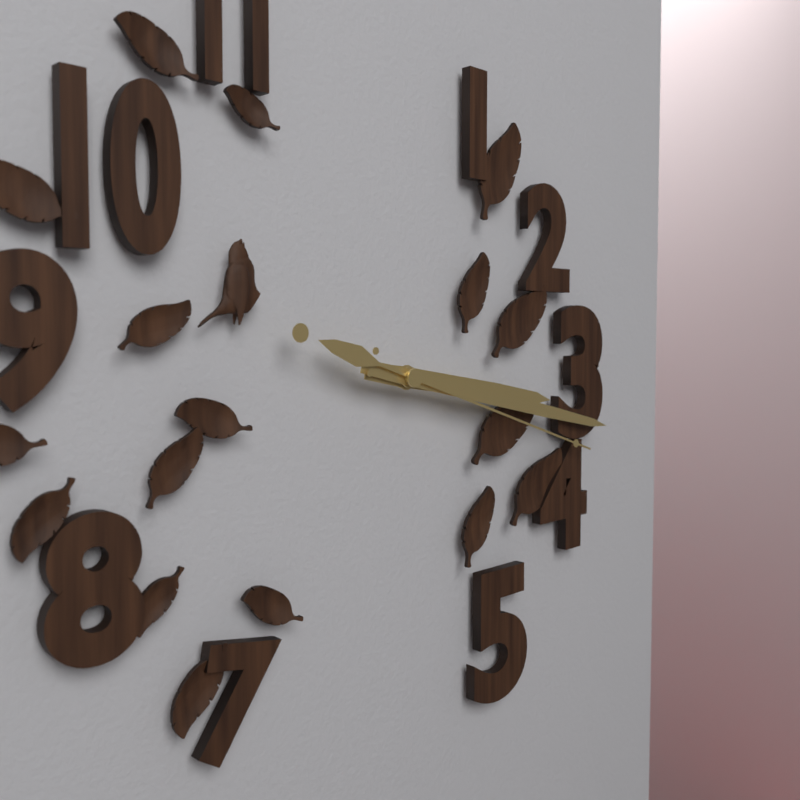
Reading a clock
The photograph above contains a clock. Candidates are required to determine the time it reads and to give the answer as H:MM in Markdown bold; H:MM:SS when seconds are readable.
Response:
**3:17:18**
